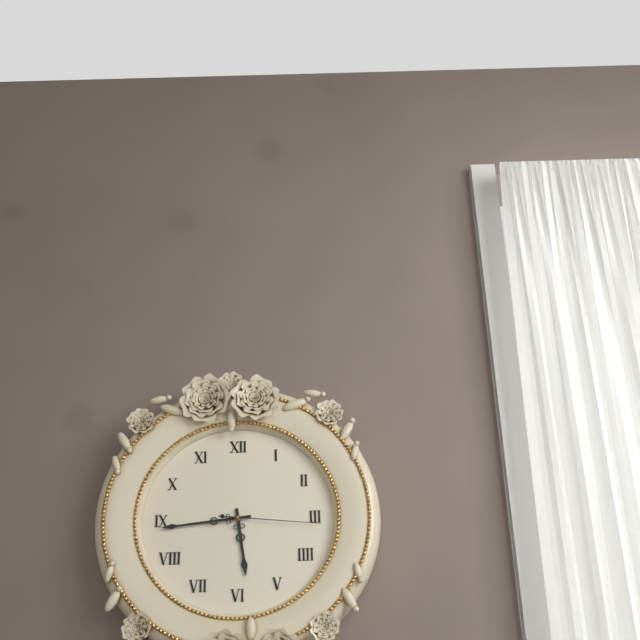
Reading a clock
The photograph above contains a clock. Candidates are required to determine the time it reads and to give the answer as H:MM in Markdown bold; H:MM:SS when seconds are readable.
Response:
**5:44:16**
